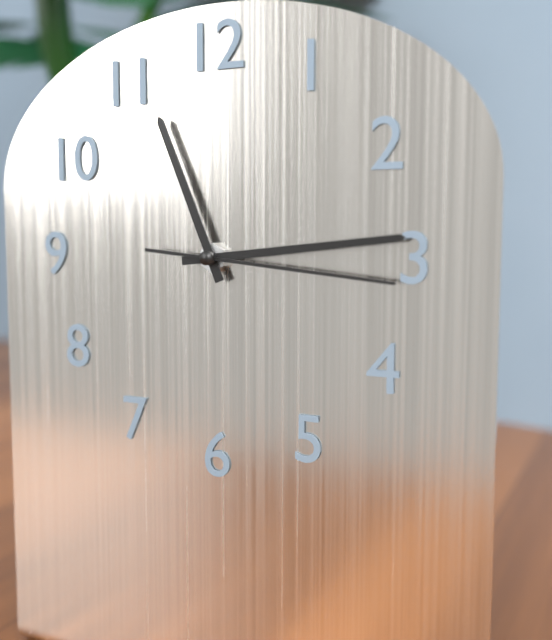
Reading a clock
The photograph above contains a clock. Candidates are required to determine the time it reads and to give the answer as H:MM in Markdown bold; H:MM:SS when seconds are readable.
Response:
**11:14:16**
